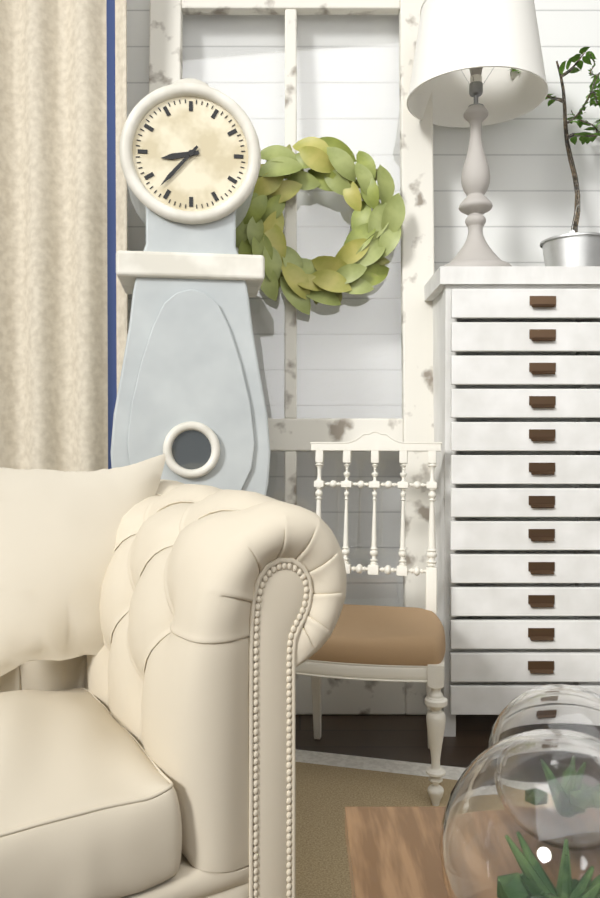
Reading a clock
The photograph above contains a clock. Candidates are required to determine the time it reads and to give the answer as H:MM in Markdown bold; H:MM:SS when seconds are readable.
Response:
**8:37**
